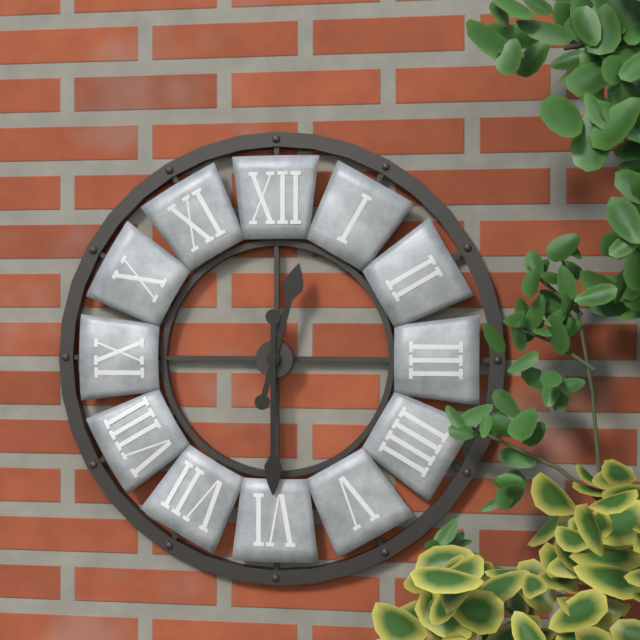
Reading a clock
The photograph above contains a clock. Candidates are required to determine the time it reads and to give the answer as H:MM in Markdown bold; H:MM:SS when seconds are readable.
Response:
**12:30**
